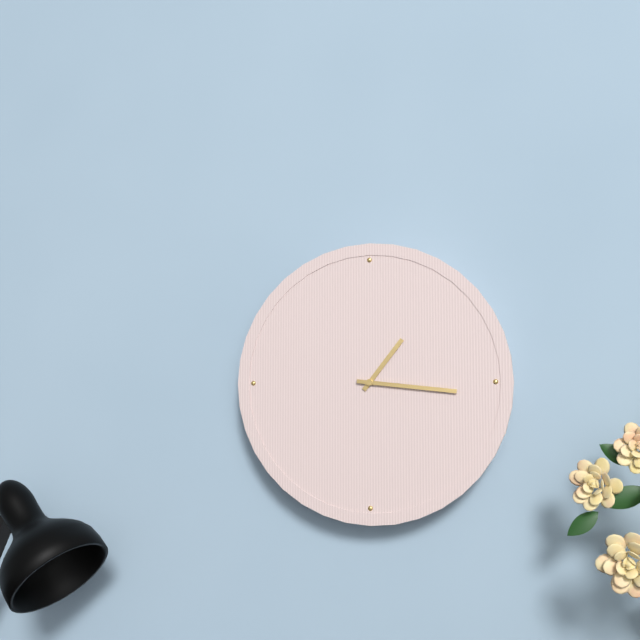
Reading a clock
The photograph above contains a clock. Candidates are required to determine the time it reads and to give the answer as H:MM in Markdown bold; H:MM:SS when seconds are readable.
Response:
**1:16**
